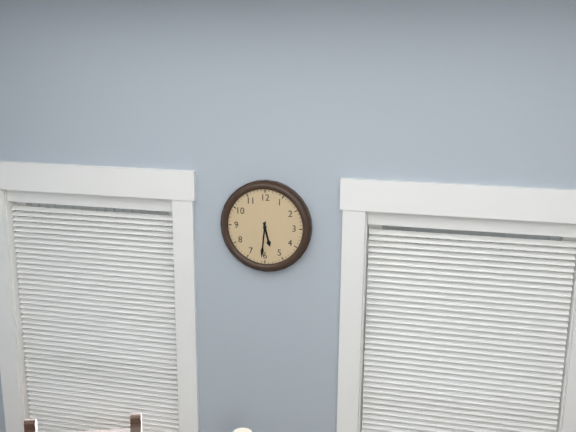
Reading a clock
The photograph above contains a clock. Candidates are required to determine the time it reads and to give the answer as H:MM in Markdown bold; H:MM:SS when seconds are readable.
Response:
**5:31**
